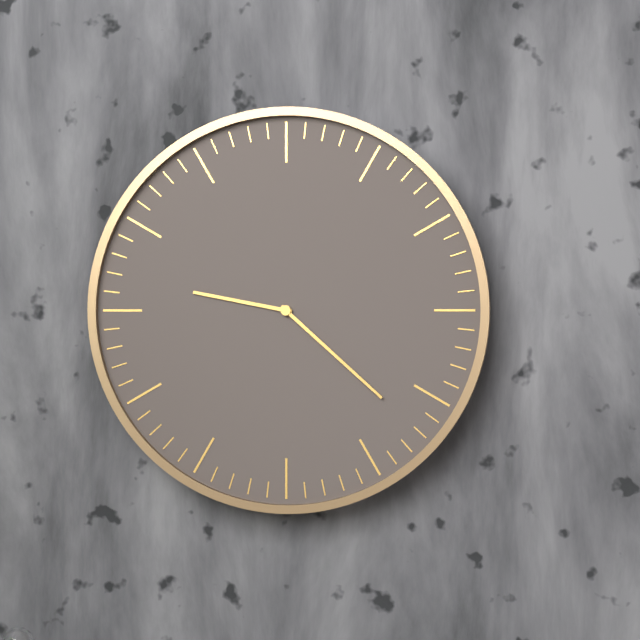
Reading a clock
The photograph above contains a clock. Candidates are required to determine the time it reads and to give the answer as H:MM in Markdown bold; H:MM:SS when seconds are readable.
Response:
**9:22**
